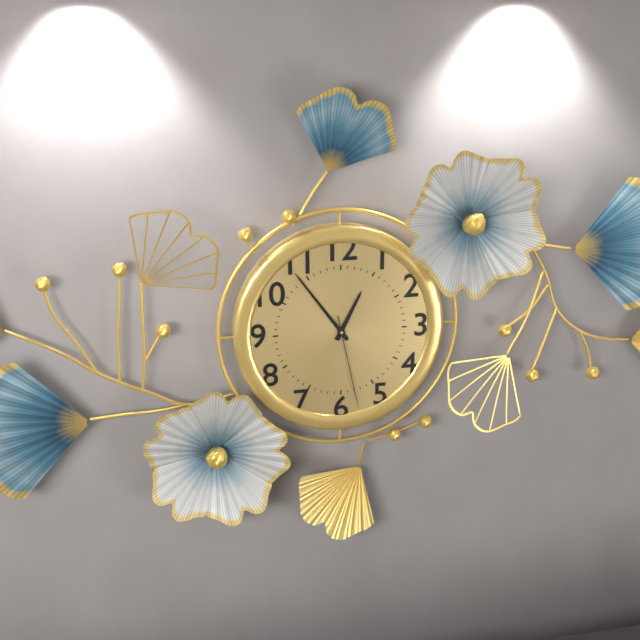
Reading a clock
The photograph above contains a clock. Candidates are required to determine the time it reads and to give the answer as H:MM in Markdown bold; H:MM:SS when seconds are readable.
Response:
**12:54:28**
